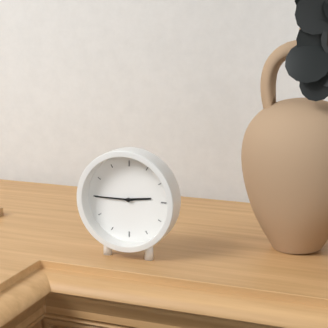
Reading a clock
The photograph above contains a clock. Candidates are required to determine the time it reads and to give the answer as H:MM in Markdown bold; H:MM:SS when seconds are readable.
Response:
**2:45**
